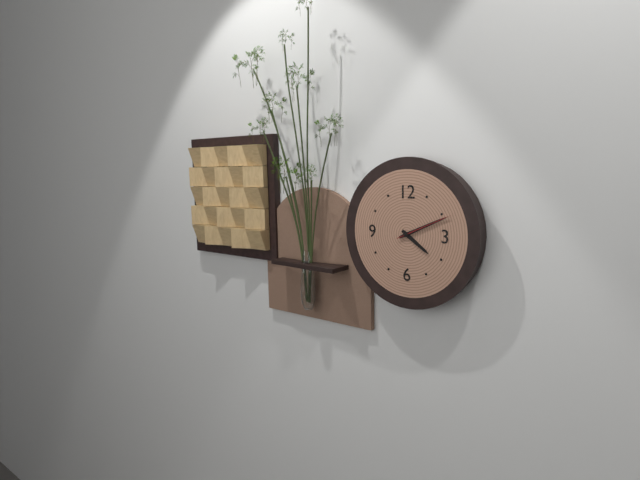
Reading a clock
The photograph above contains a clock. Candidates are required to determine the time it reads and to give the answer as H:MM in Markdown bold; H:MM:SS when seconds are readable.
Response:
**4:11:11**
